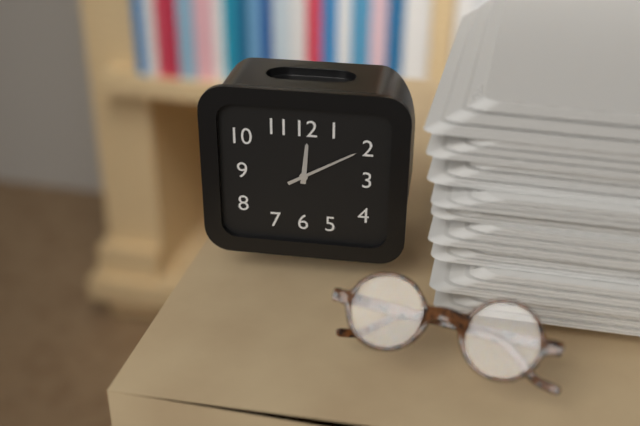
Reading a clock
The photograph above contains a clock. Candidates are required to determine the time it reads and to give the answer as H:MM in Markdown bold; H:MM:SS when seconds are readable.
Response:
**12:10**
